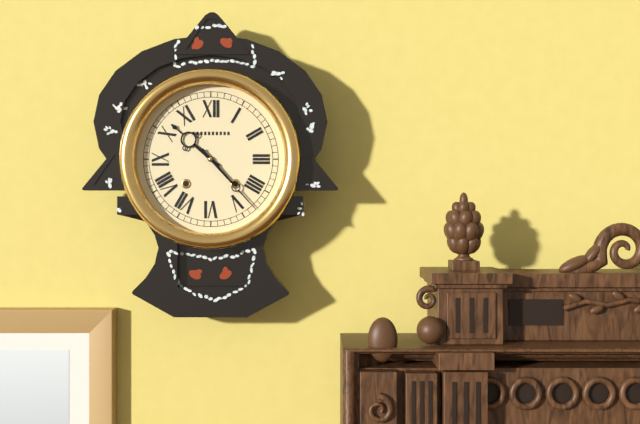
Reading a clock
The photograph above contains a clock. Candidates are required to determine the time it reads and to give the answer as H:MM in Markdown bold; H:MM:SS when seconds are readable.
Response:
**10:23**
